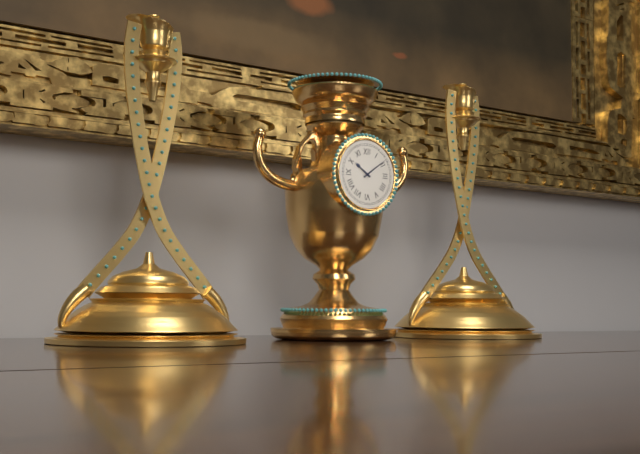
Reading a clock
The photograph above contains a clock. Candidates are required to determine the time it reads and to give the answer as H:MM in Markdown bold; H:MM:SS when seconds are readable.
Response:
**10:09**
